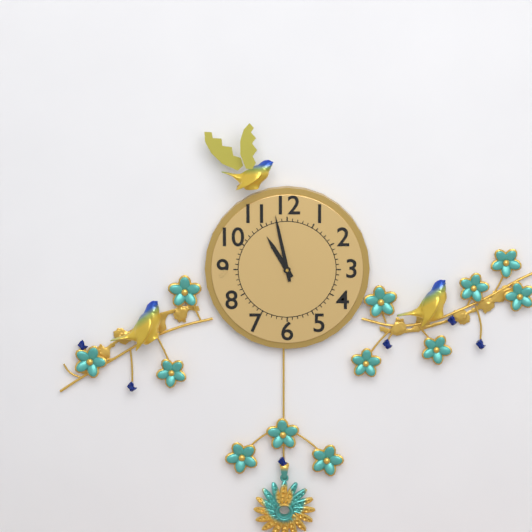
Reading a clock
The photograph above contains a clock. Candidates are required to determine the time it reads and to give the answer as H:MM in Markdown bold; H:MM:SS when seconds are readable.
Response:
**10:58**
